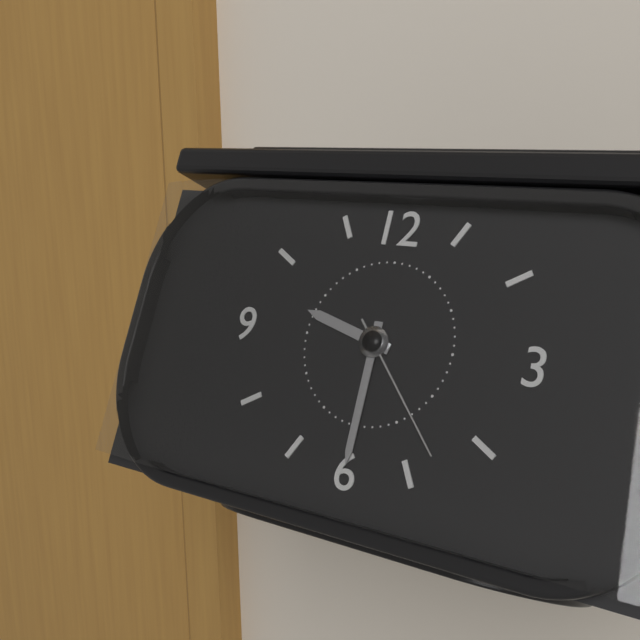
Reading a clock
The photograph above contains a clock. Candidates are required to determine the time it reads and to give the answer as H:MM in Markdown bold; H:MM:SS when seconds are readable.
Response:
**9:30:23**
